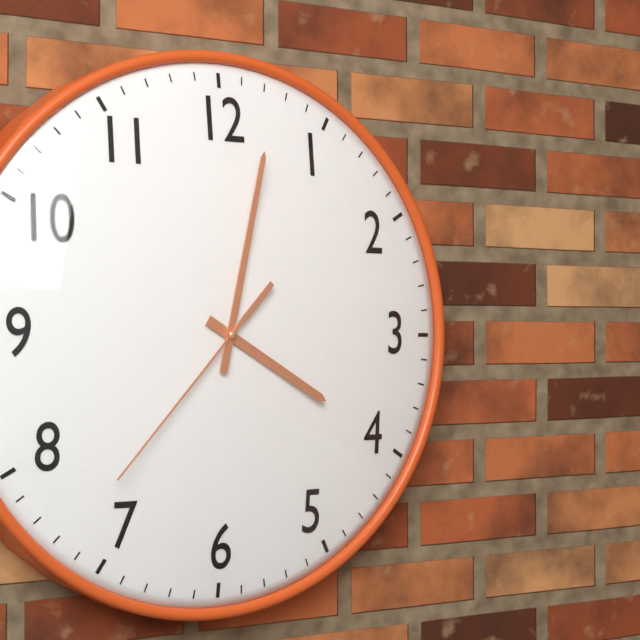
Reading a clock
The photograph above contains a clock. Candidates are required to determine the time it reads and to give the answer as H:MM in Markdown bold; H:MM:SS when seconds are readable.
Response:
**4:02:37**
